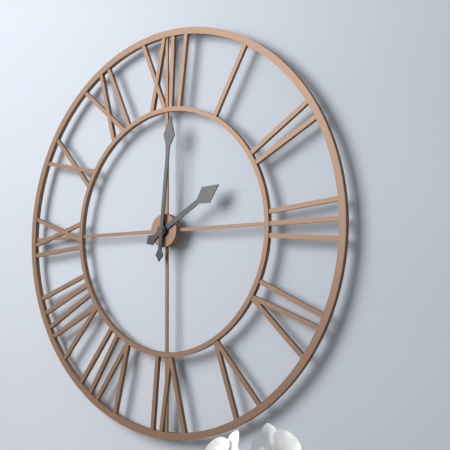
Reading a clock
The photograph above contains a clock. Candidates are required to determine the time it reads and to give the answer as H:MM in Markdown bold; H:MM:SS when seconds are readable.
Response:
**2:01**
